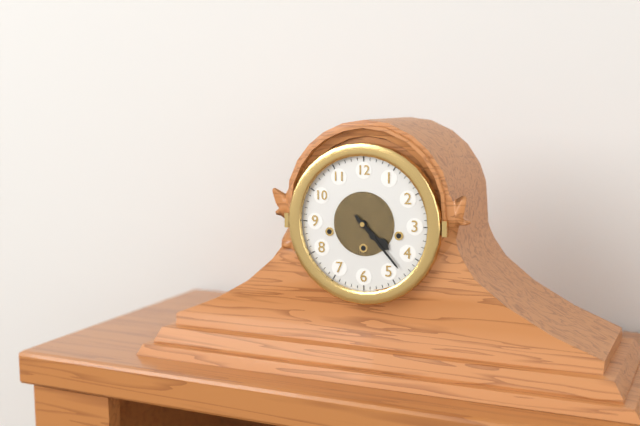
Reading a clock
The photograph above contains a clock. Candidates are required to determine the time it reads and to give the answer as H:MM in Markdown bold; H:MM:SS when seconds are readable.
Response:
**4:23**
